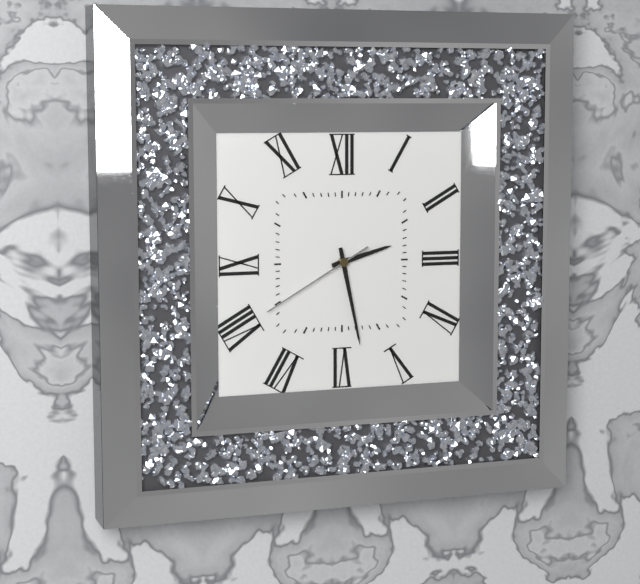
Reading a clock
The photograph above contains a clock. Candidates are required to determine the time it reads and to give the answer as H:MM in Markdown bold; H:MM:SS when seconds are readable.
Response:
**2:28:40**
